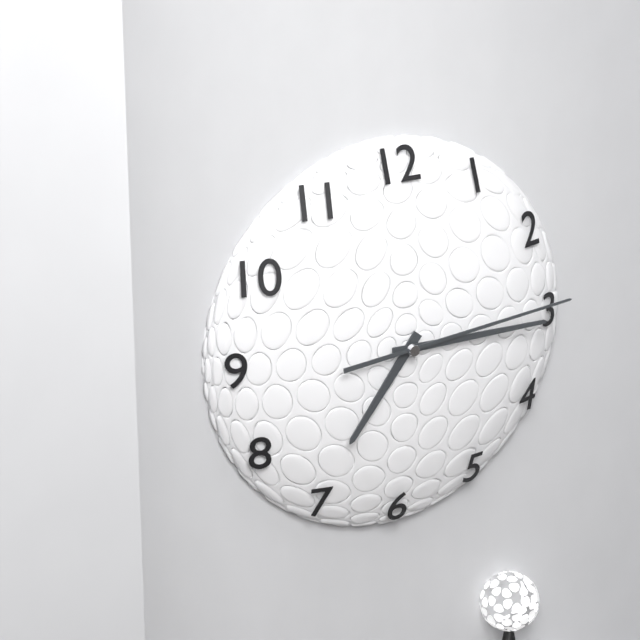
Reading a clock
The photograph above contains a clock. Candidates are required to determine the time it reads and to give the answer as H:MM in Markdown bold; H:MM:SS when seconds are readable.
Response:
**7:15:14**
